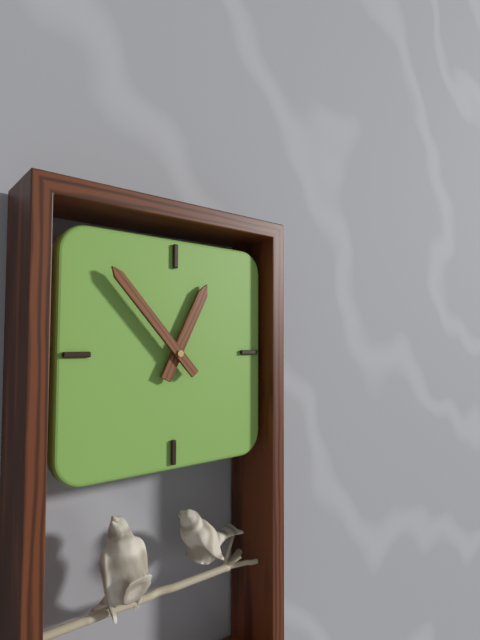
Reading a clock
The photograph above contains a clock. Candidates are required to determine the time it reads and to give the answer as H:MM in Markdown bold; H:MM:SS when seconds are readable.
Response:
**12:53**
